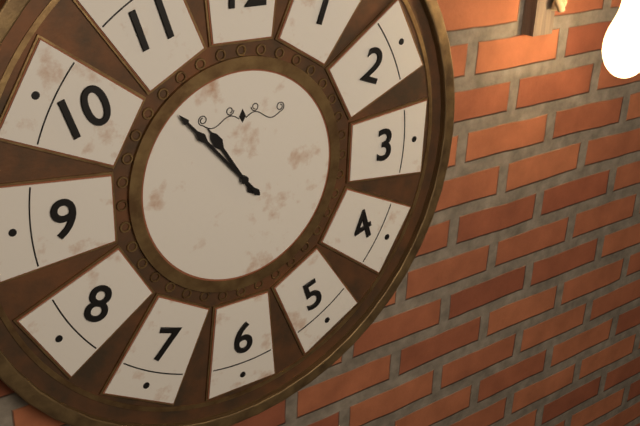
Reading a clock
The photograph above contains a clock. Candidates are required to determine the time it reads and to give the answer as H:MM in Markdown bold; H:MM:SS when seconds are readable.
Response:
**10:53**
